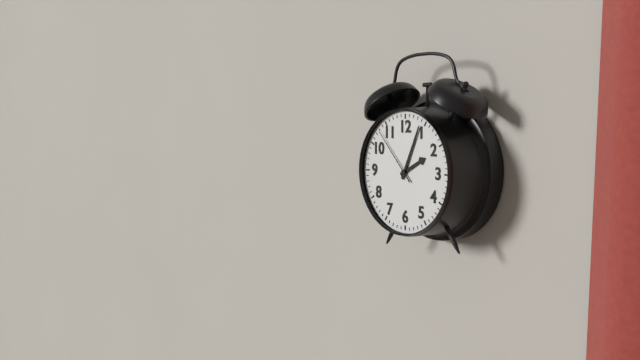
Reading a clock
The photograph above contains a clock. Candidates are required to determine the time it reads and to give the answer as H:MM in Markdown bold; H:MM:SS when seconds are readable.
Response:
**2:04:53**
